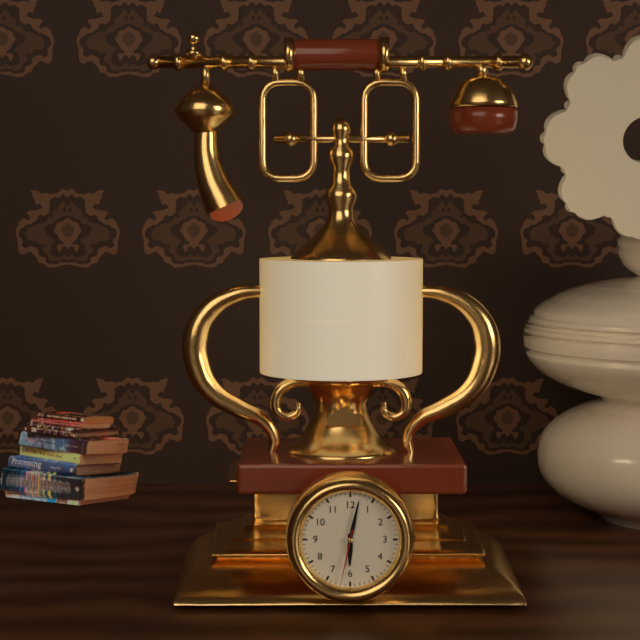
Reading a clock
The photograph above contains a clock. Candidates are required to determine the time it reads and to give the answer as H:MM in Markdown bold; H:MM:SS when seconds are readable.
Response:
**6:02:32**
